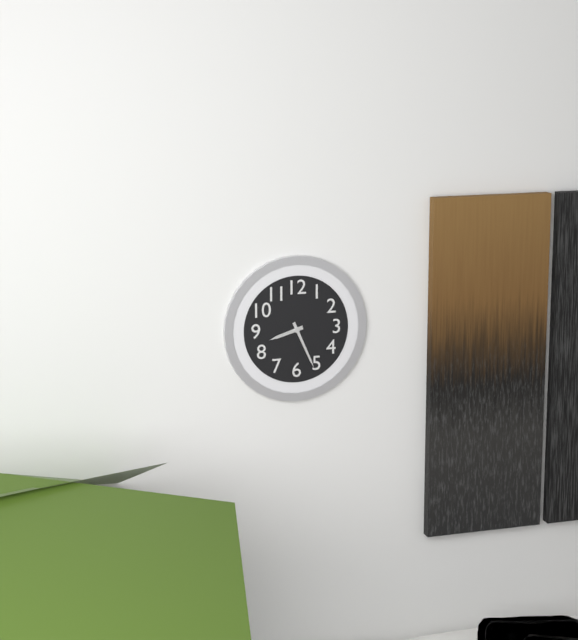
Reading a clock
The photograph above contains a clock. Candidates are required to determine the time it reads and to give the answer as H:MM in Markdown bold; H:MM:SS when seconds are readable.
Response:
**8:26**
